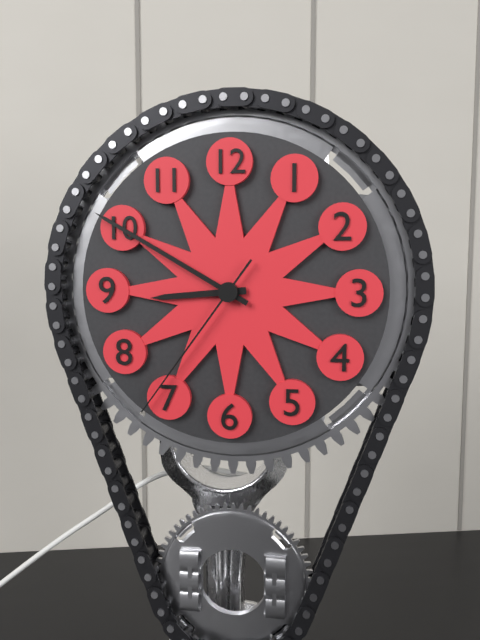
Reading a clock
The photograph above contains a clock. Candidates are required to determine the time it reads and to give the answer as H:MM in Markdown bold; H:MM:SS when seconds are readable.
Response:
**8:50:36**
